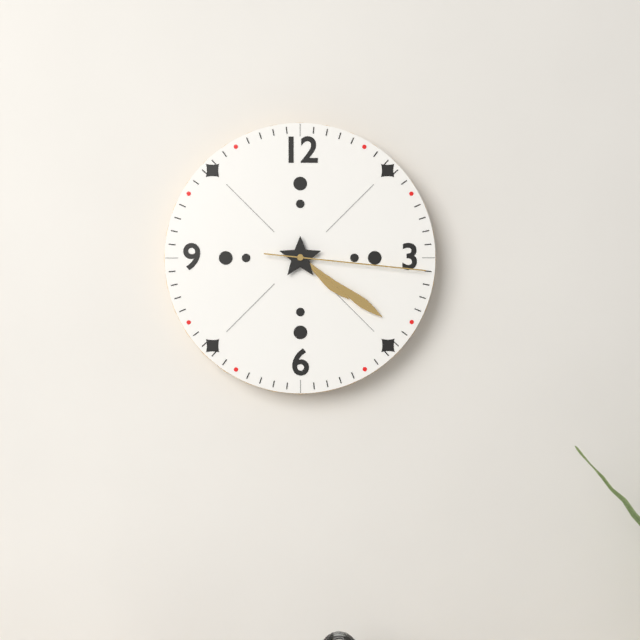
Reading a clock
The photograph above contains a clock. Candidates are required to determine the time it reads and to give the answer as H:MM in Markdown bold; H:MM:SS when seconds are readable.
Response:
**4:21:16**
